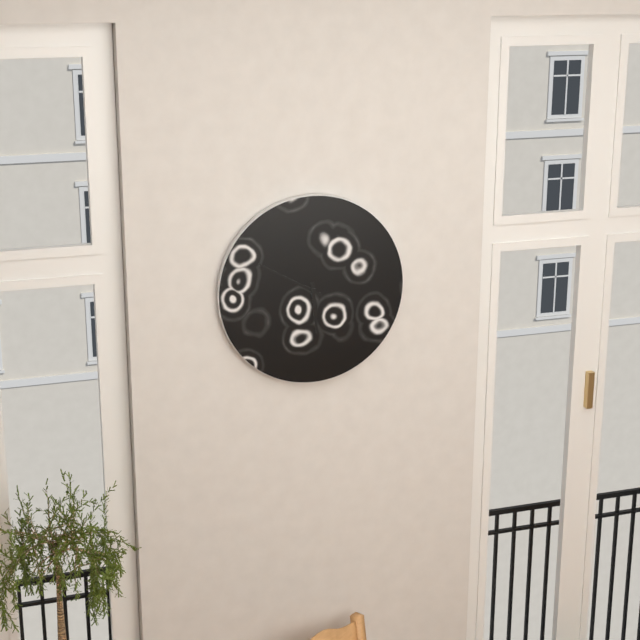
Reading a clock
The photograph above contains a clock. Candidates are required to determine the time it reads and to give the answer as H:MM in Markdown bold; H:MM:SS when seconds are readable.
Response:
**5:50**
